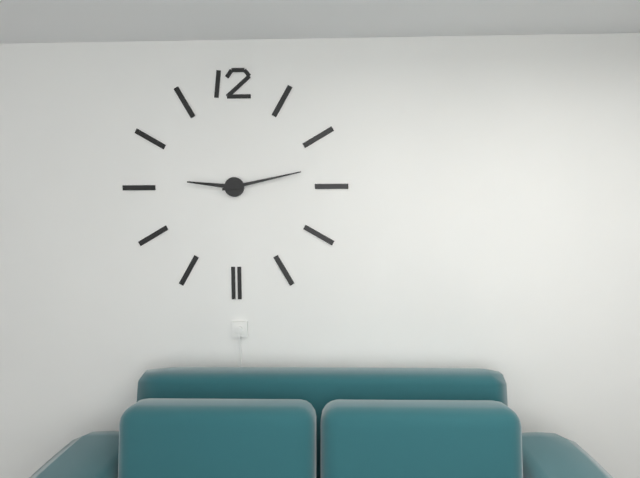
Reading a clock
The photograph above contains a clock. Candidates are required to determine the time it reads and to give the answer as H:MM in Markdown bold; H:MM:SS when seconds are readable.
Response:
**9:13**
